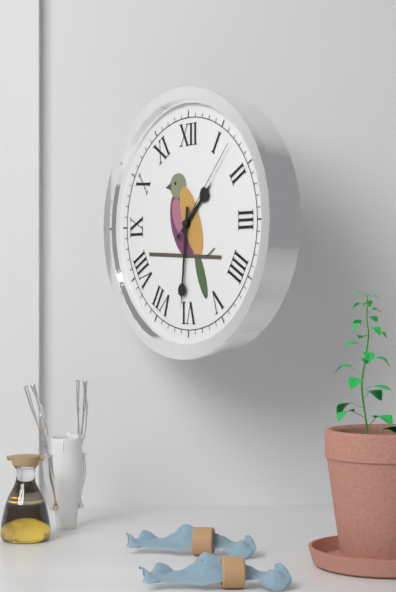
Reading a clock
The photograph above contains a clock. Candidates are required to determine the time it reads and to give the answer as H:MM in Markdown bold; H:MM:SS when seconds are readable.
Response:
**1:31:07**
